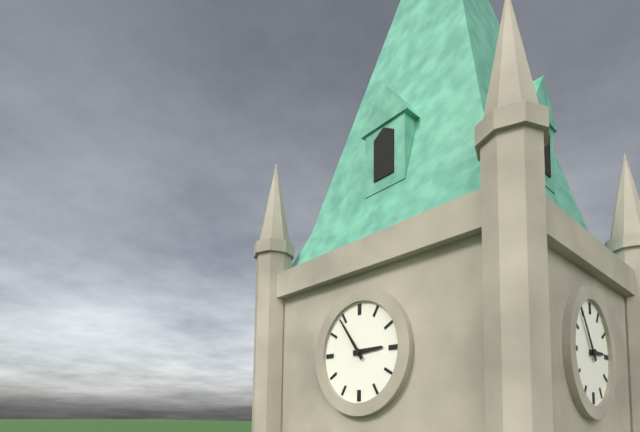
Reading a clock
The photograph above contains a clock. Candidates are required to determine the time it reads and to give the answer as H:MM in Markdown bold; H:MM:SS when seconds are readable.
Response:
**2:54**
